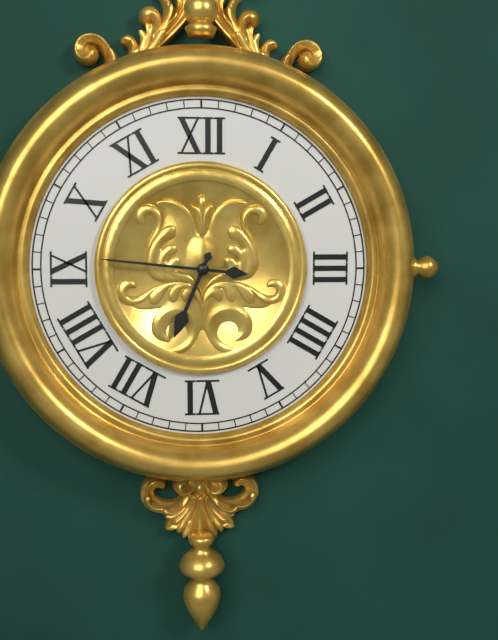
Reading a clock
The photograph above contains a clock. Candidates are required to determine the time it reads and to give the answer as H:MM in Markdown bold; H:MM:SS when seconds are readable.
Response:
**6:46**
